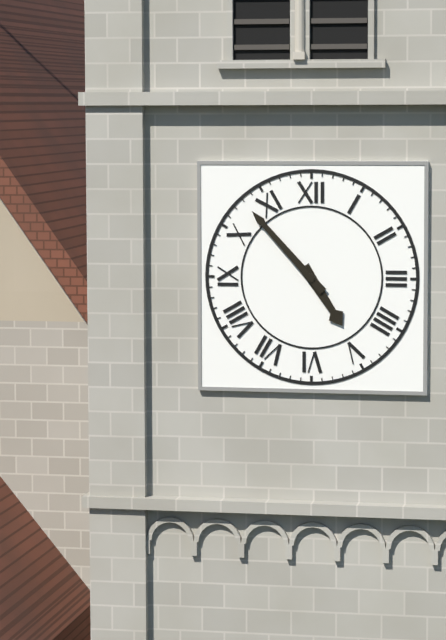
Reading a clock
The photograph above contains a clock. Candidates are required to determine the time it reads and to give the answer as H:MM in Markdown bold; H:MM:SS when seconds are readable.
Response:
**4:53**
